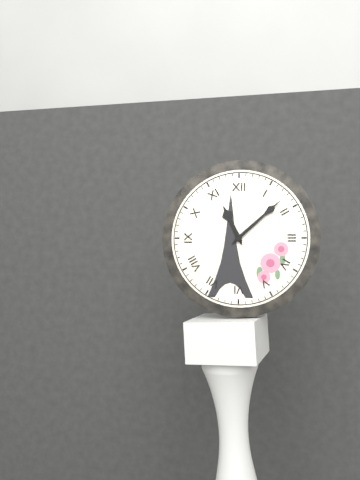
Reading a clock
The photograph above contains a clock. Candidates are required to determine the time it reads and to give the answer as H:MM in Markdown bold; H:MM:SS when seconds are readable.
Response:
**11:08**
